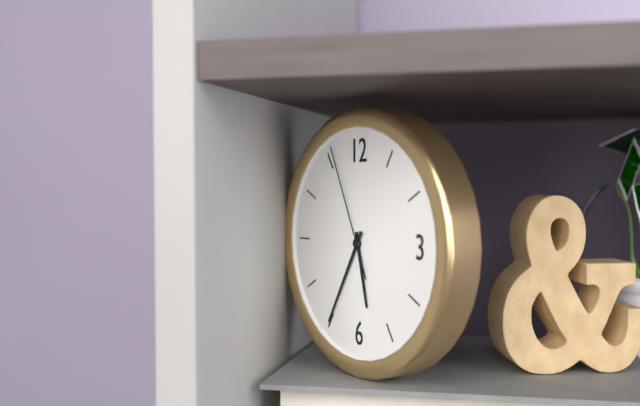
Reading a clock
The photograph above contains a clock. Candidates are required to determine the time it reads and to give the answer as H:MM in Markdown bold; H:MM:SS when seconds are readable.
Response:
**5:35:56**
